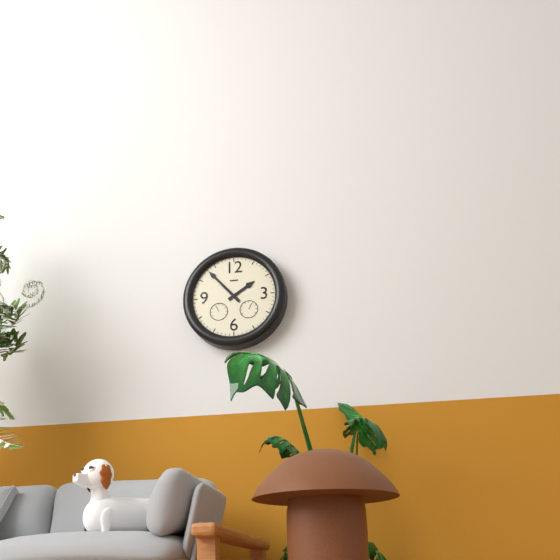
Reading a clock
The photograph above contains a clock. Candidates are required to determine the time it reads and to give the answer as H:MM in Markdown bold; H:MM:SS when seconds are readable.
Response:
**1:53**
